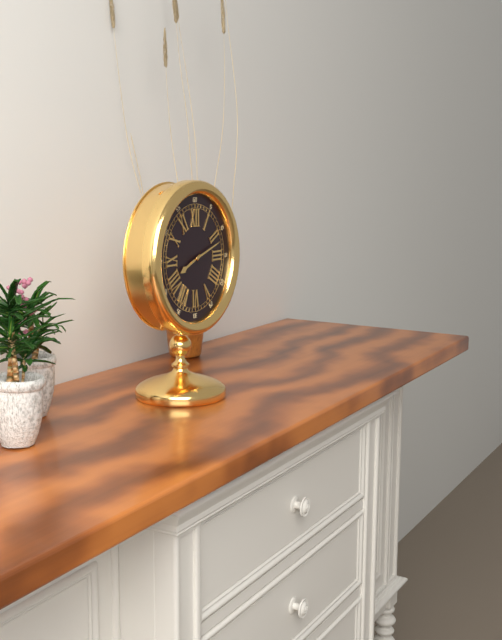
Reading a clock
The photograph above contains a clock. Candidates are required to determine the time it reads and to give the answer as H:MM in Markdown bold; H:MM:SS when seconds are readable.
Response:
**8:12**
